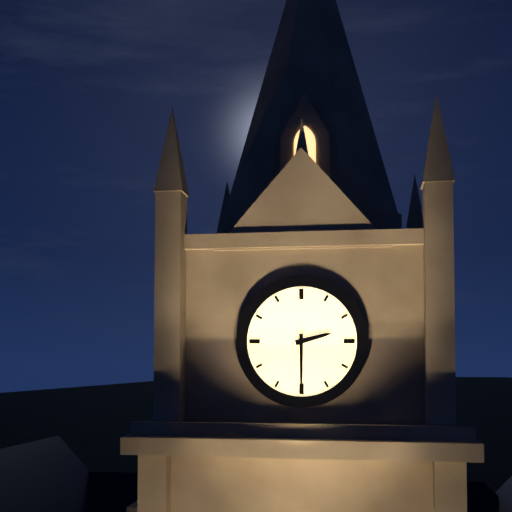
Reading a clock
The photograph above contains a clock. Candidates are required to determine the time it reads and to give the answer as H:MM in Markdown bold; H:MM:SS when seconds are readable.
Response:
**2:30**
